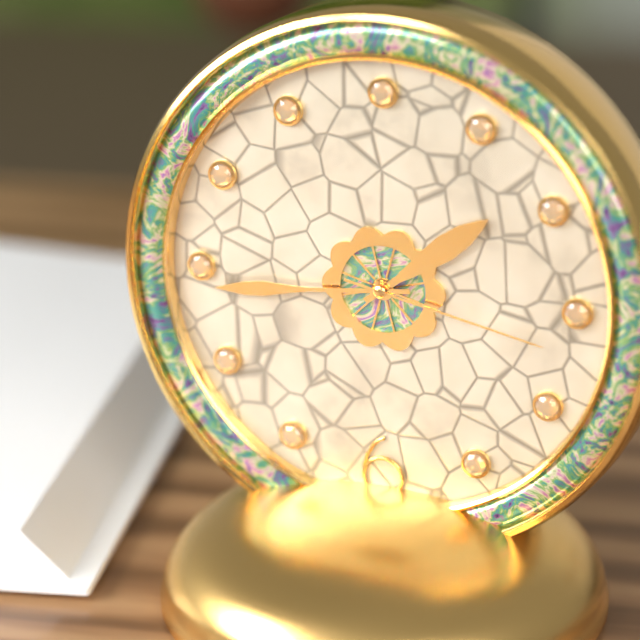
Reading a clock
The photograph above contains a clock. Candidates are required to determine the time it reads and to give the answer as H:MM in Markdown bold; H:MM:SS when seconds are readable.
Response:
**1:44:17**
